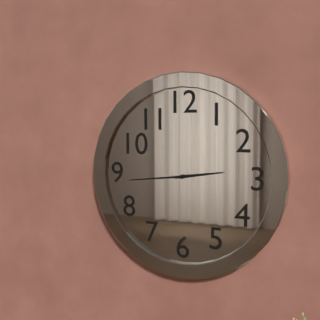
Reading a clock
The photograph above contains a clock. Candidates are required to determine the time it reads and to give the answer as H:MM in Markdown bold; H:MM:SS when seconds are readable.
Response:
**2:44**
